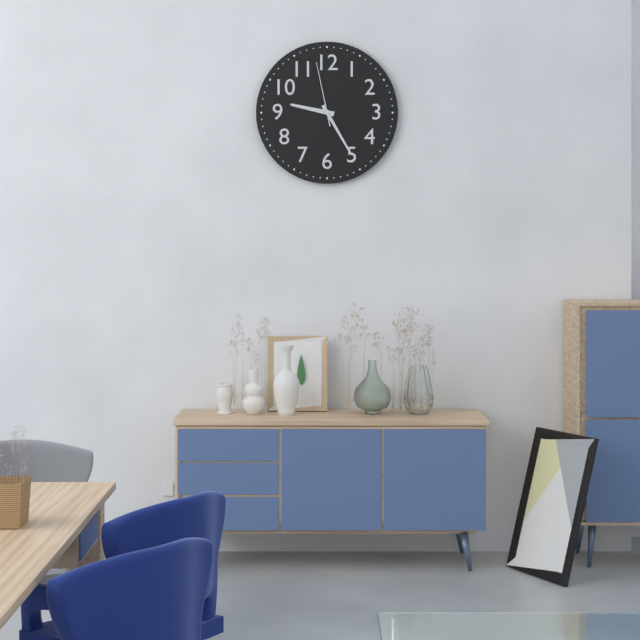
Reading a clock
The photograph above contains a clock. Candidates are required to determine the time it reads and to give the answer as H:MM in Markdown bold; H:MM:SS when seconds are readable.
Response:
**9:25:58**
